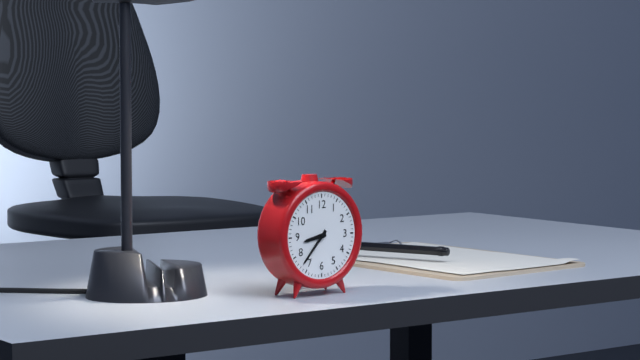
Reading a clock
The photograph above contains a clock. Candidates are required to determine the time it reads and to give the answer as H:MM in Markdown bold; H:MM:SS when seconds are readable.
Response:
**8:37**
